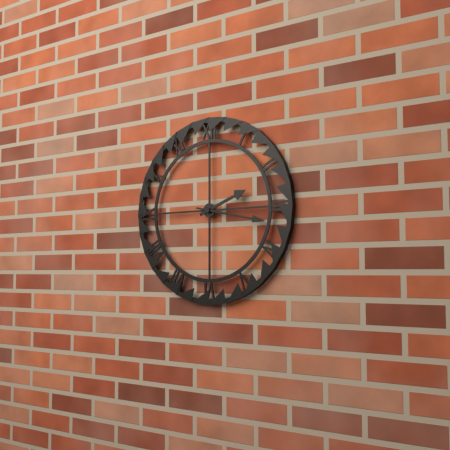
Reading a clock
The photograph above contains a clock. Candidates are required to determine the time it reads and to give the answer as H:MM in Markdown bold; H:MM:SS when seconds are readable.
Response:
**2:17**
